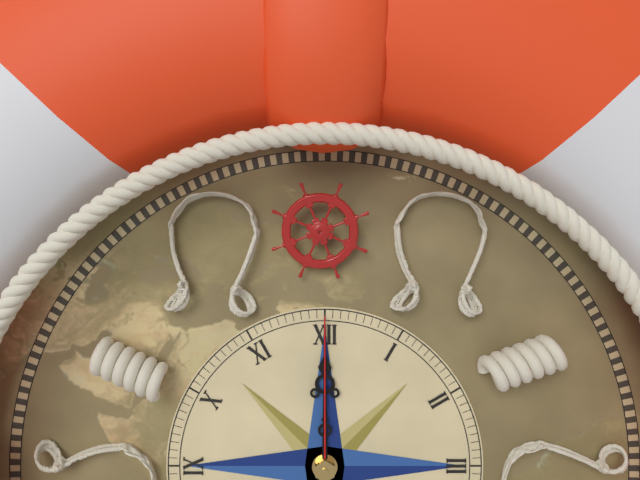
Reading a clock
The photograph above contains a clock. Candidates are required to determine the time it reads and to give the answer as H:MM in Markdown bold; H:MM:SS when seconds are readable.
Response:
**12:00:00**
